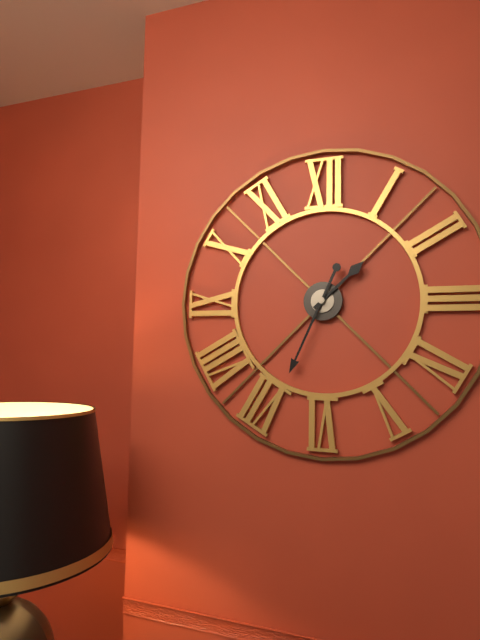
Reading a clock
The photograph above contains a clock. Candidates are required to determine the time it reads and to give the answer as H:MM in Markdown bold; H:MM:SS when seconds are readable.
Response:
**1:34**
